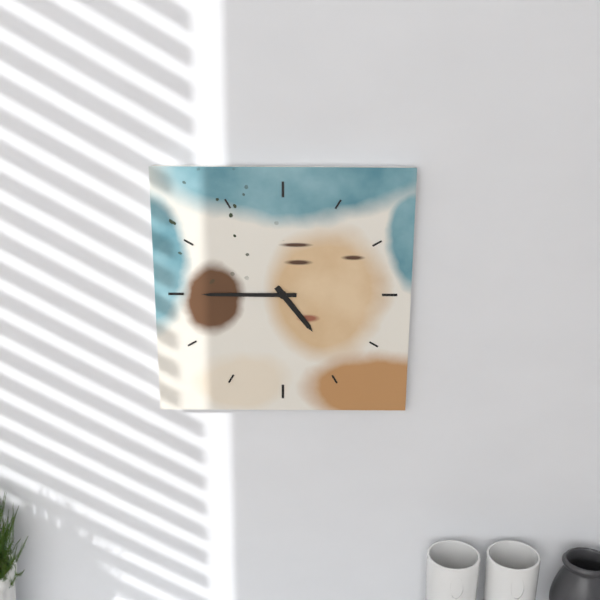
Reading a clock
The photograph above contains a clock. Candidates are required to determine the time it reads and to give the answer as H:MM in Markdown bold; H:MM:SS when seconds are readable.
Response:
**4:45**
